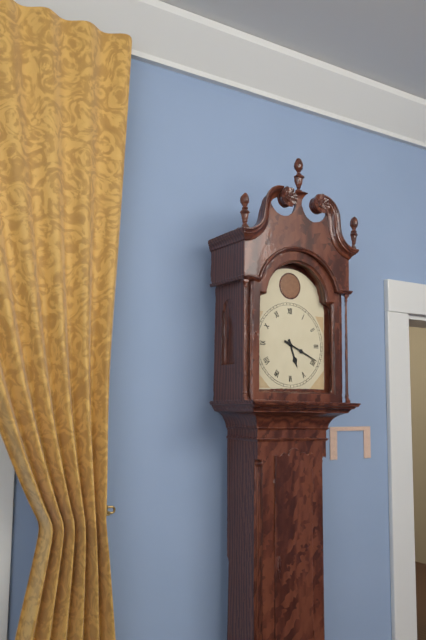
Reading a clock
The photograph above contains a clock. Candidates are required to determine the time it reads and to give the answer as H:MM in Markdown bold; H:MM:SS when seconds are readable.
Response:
**5:19**
